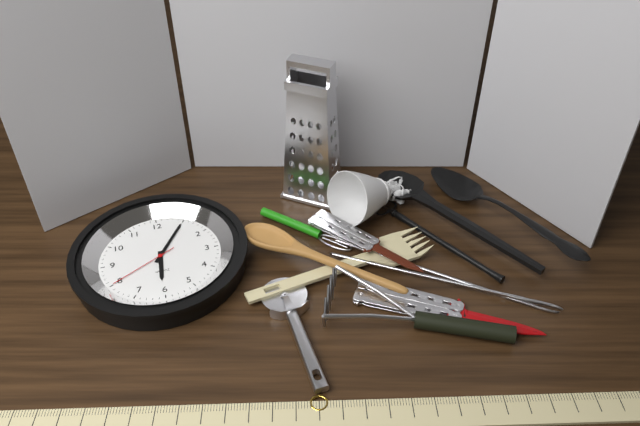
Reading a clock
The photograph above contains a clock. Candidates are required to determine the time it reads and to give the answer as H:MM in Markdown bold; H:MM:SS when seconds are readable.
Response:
**6:05:40**
